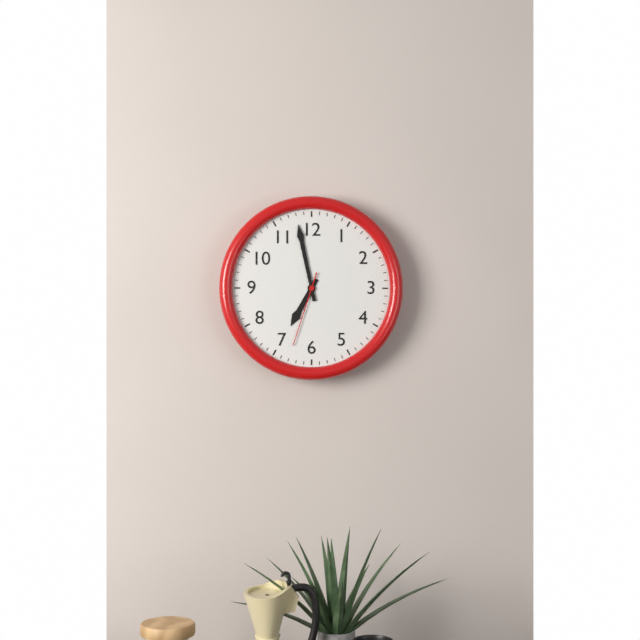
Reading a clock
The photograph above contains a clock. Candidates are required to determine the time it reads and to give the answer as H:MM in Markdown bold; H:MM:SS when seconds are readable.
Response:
**6:58:33**
